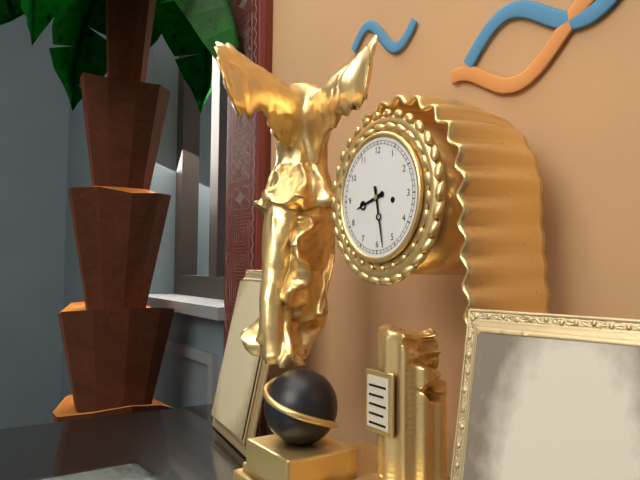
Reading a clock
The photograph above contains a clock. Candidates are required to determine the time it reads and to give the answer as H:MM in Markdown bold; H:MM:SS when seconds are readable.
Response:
**8:28**
